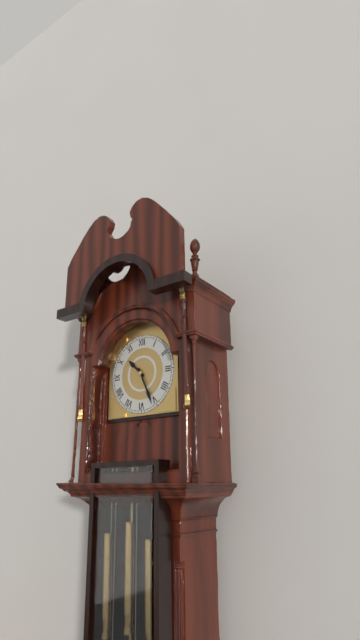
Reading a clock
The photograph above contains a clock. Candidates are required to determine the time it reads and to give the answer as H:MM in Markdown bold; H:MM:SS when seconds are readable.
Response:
**10:26**
